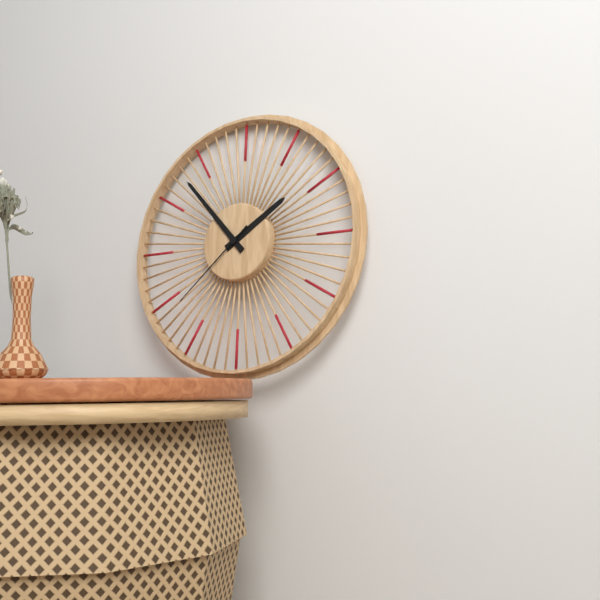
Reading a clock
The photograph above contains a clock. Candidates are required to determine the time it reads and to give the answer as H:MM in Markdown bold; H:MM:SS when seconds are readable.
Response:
**1:53:38**
